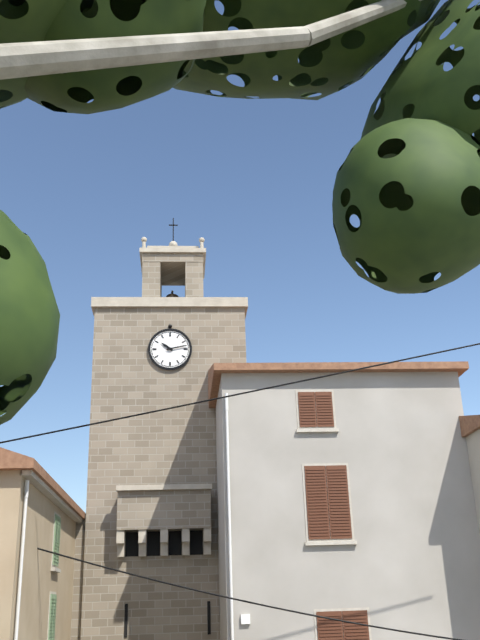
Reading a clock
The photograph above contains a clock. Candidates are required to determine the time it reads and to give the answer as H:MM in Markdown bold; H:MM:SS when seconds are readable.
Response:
**10:13**
